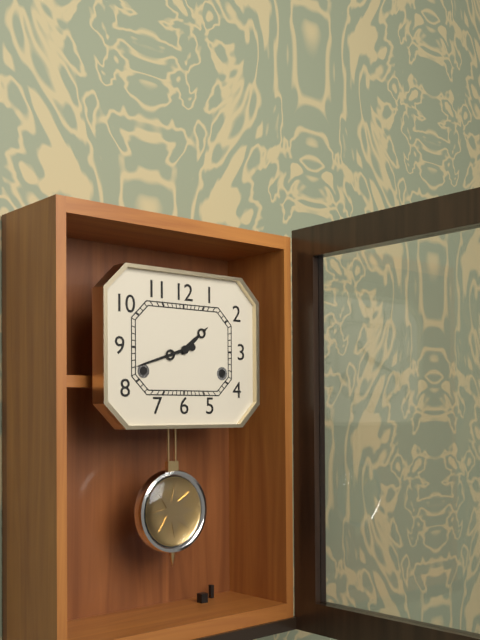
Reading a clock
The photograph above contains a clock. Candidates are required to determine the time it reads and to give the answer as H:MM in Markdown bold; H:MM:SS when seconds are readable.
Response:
**1:42**
